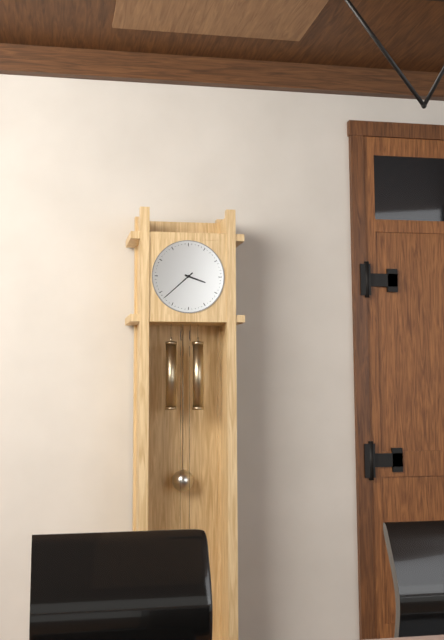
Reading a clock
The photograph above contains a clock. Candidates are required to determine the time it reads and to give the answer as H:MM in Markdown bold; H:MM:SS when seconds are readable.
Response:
**3:38**
